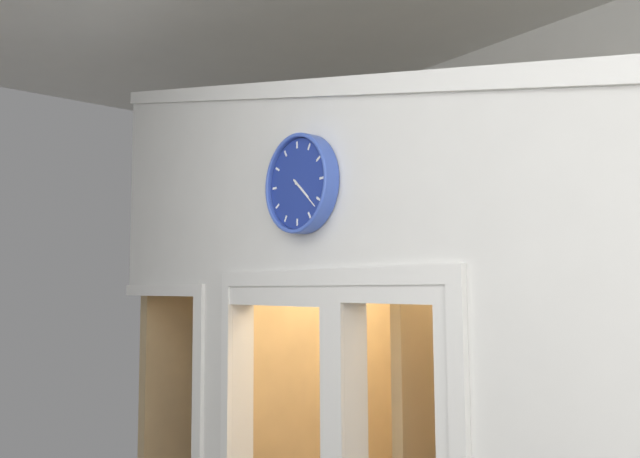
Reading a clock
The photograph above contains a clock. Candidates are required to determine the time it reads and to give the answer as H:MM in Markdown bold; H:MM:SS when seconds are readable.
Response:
**4:22**
